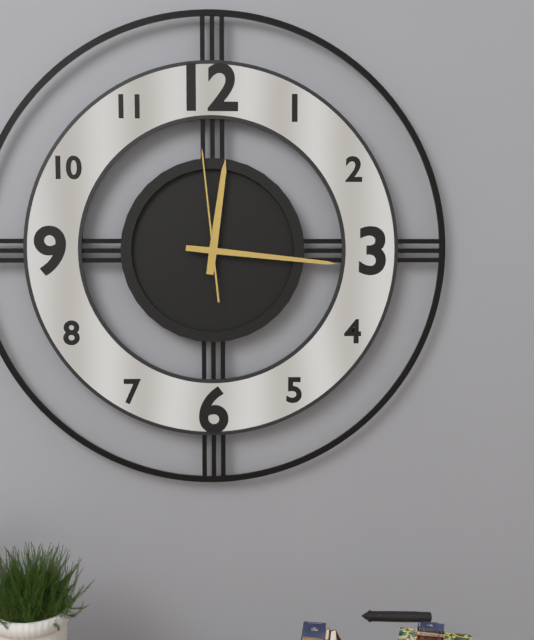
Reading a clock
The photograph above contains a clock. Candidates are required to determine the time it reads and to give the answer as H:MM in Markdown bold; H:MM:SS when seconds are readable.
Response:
**12:16:59**
